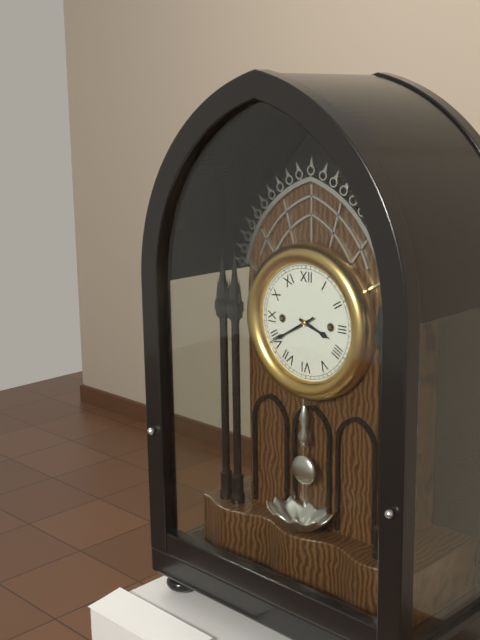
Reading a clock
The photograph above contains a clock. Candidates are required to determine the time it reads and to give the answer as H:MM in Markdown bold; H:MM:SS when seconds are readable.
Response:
**3:40**
